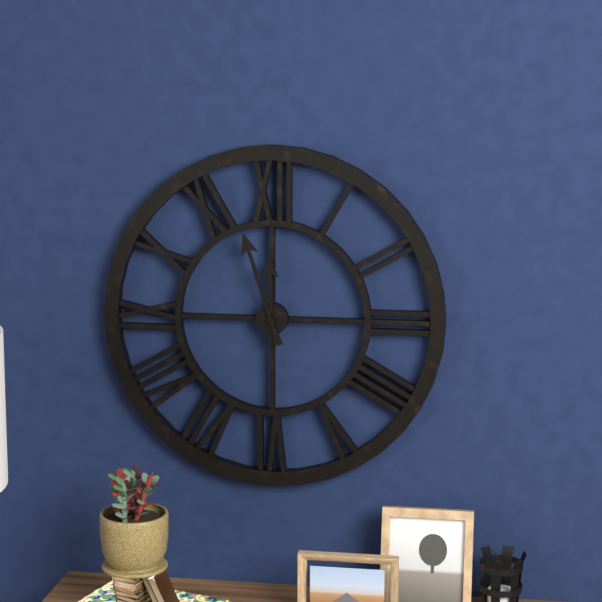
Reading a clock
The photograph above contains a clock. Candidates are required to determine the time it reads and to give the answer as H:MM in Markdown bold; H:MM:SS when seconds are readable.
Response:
**11:57**
